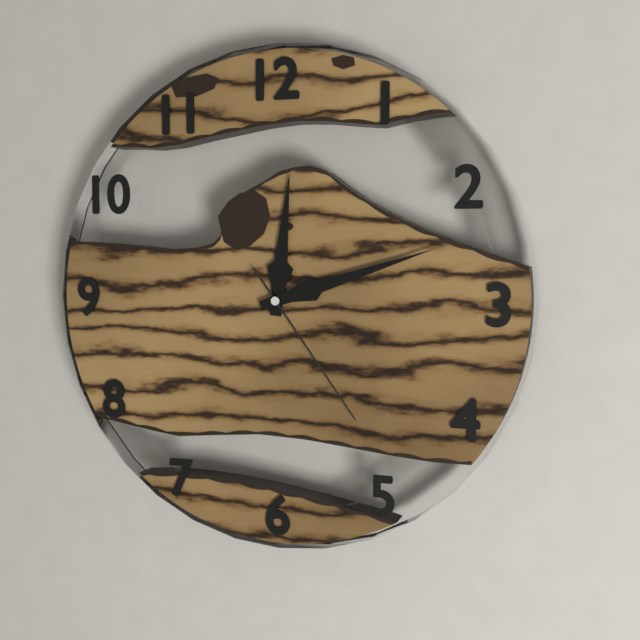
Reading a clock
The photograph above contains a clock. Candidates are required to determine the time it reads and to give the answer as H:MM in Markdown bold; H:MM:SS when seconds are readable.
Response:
**12:12:24**
